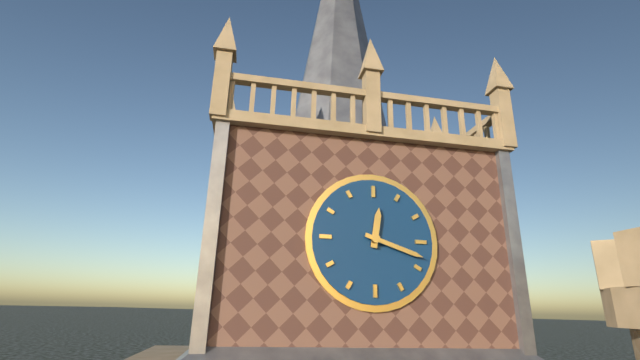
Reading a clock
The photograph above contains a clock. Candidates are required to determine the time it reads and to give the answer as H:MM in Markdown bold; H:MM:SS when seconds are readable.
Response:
**12:18**
